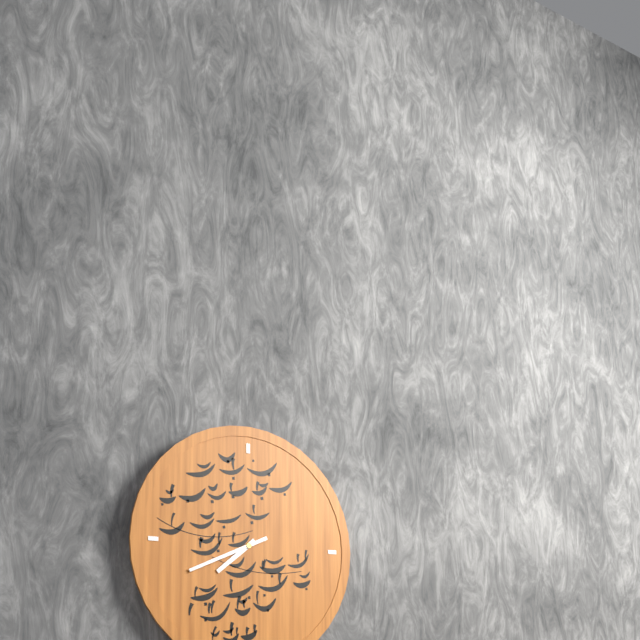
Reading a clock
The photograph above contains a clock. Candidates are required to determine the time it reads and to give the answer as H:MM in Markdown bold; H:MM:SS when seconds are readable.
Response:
**7:41**
